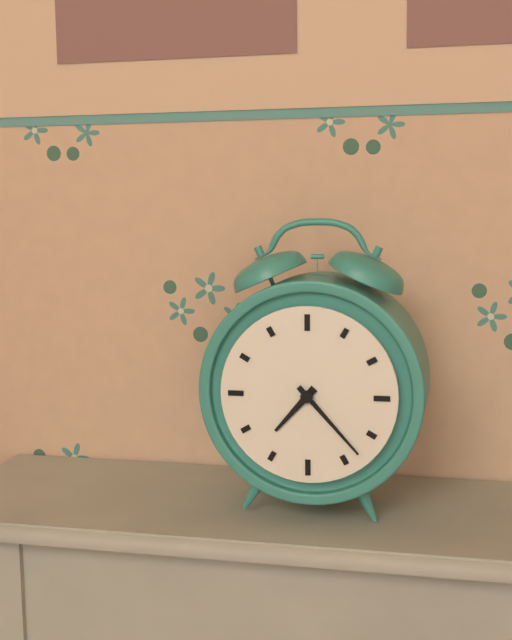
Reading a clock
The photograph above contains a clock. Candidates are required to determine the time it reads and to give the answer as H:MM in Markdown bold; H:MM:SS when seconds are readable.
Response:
**7:23**
